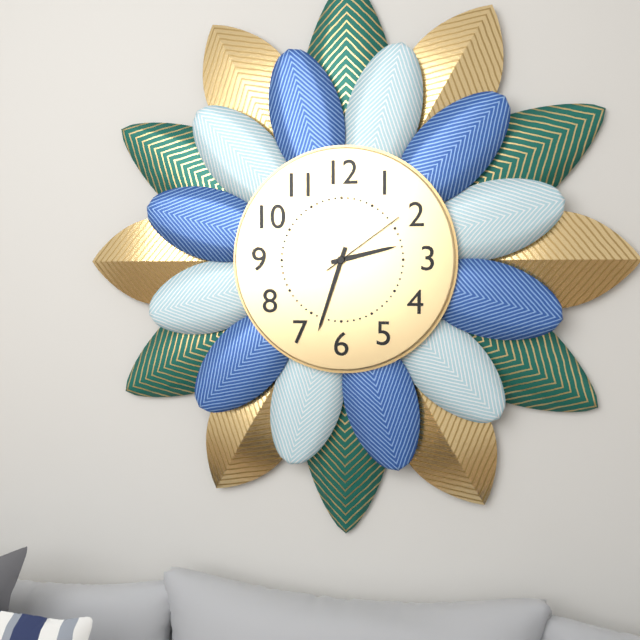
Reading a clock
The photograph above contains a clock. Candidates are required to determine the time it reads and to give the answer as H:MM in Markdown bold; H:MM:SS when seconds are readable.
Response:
**2:33:09**
